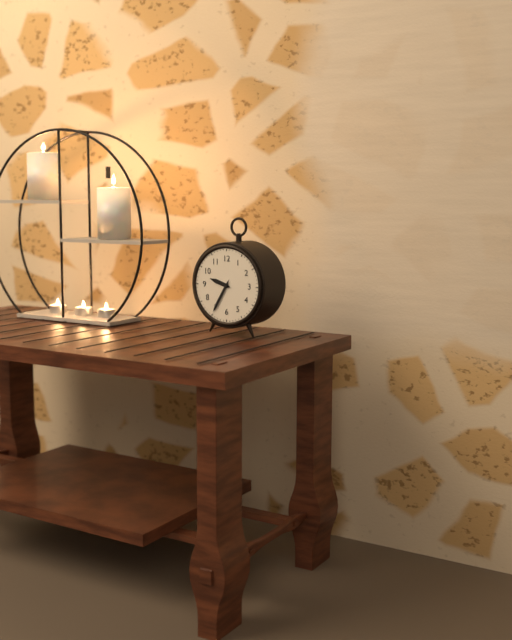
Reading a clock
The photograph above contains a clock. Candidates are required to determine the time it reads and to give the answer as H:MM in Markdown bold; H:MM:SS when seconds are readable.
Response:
**9:35**
